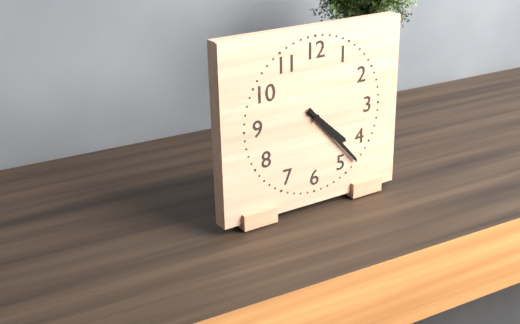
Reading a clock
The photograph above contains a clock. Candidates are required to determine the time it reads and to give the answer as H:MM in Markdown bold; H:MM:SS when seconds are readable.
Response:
**4:23**
